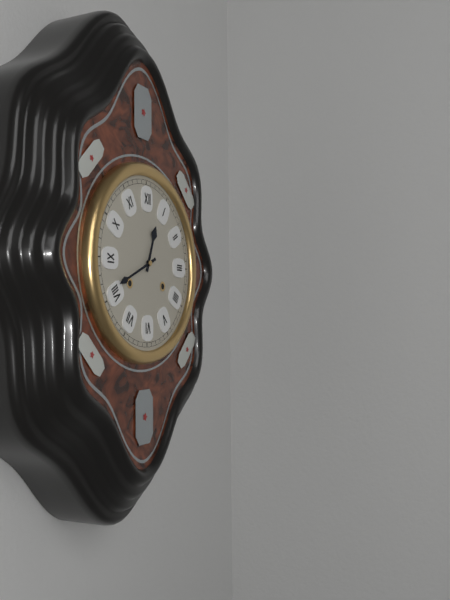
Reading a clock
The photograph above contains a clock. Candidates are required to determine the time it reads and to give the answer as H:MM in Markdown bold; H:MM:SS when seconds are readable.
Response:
**12:41**
